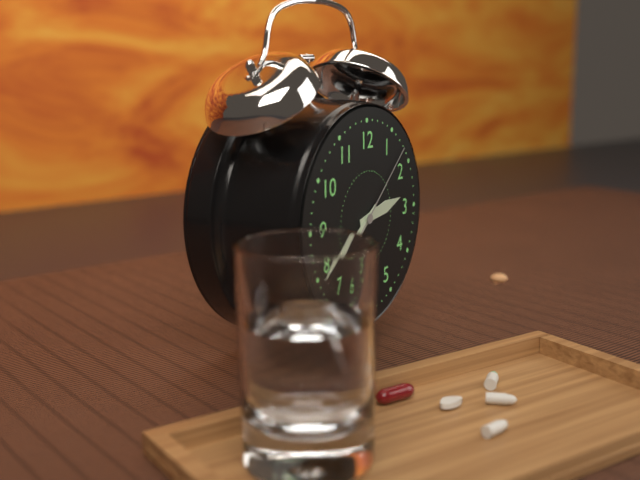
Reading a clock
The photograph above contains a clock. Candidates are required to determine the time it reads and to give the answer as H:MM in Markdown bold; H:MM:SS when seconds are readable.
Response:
**2:39:08**
